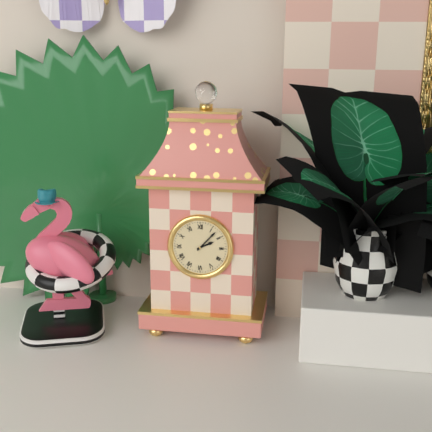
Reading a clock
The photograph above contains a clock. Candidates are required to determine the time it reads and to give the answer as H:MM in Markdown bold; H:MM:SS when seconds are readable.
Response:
**2:07**
